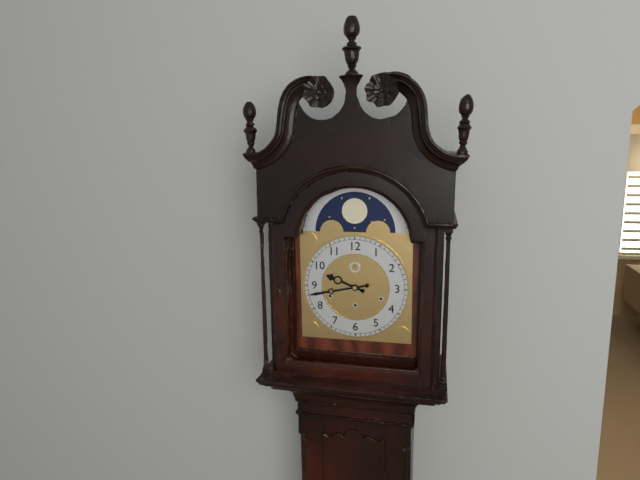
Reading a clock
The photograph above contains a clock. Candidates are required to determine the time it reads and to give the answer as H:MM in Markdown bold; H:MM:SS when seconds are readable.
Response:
**9:43**
